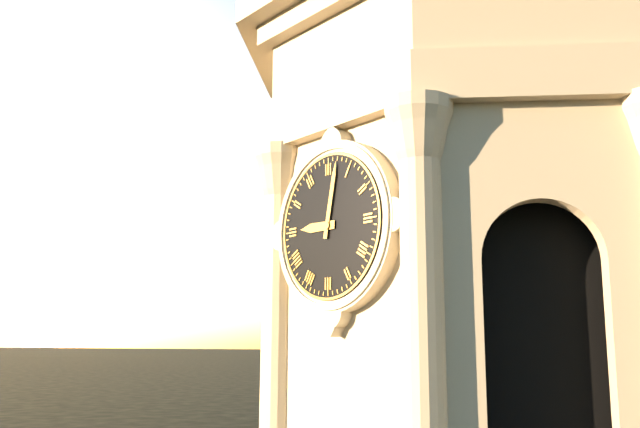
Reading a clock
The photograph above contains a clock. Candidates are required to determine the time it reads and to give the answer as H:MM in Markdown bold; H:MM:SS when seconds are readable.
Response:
**9:02**
